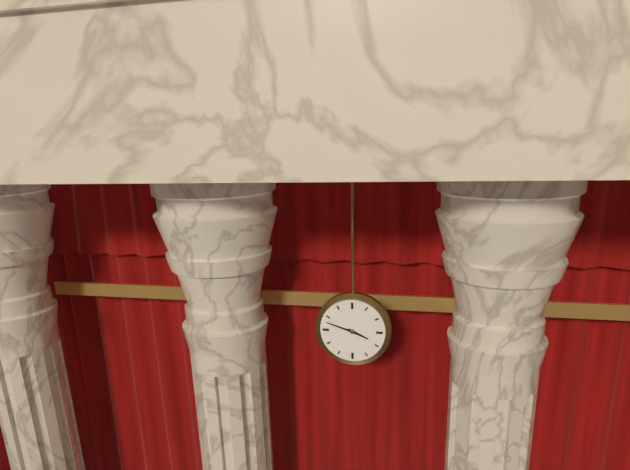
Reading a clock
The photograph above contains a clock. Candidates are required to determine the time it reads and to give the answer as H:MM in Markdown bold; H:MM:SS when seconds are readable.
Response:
**3:48**
